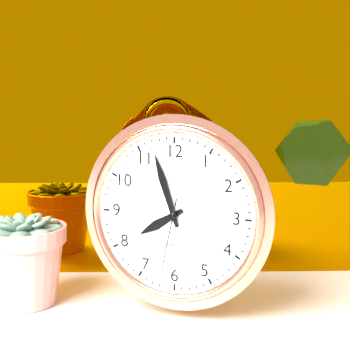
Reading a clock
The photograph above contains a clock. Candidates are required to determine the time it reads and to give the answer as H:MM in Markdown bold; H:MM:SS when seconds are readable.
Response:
**7:57:32**
